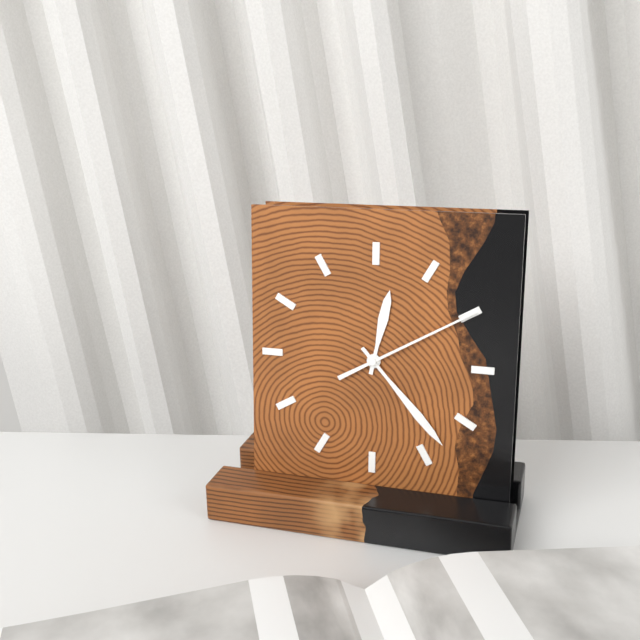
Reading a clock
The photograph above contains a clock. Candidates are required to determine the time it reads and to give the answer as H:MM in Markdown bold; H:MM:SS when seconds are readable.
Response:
**12:23:10**
